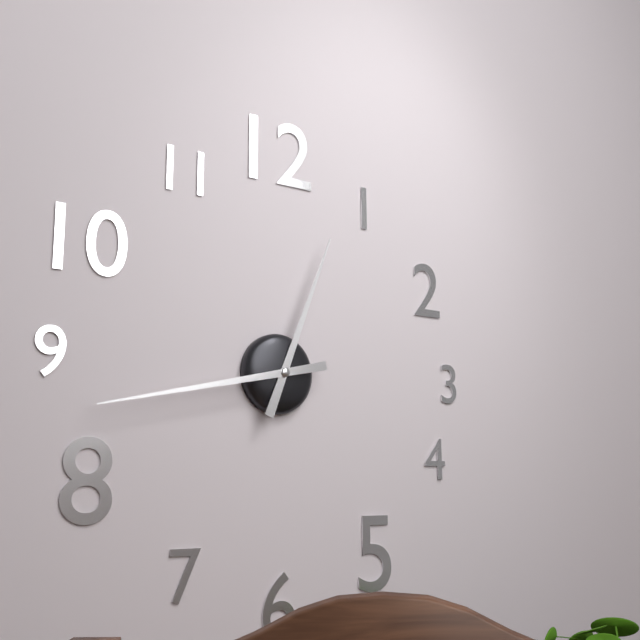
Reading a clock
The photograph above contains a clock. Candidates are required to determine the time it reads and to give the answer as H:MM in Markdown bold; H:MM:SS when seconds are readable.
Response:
**12:43**
